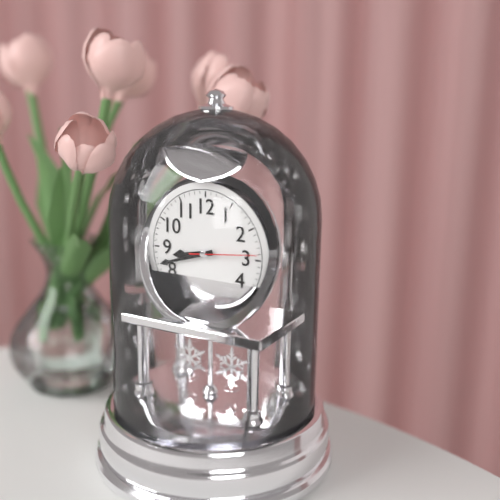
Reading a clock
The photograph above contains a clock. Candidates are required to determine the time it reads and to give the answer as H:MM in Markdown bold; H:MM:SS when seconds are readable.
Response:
**8:42:14**
